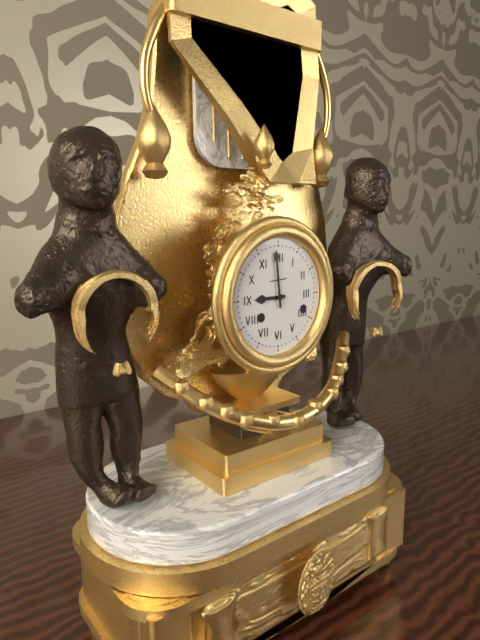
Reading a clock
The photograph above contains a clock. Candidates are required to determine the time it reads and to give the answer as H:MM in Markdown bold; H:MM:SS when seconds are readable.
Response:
**8:59**
